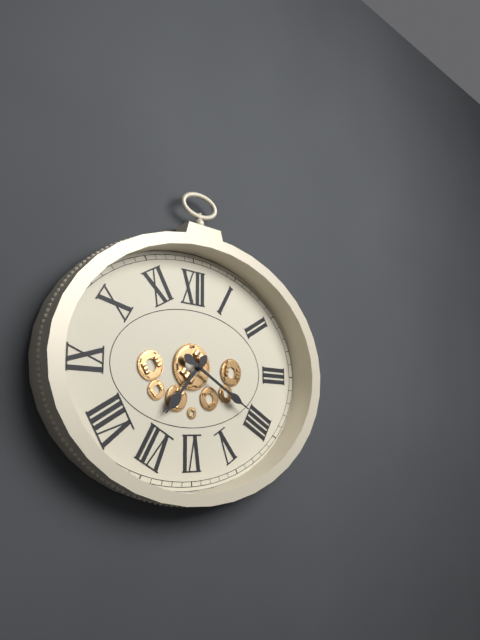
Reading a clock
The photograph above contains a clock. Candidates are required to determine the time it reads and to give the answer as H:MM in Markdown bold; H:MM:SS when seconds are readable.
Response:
**7:20**
